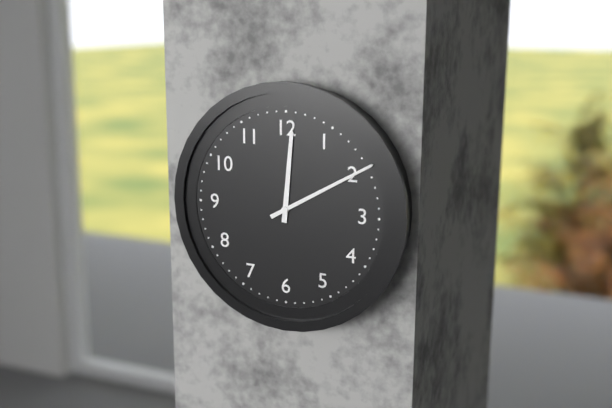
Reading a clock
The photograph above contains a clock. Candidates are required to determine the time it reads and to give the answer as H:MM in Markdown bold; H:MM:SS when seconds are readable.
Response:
**12:10**
